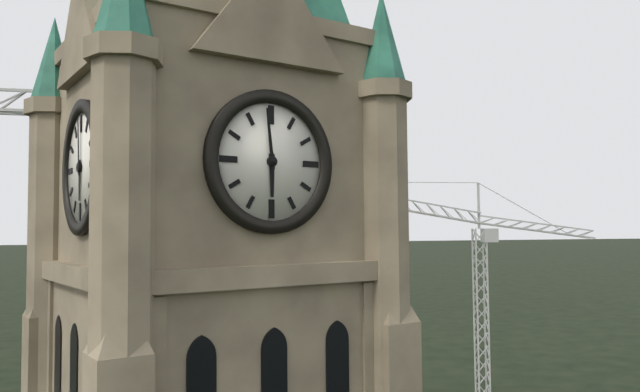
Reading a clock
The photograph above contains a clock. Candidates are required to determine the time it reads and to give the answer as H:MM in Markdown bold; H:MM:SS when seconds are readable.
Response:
**5:59**
